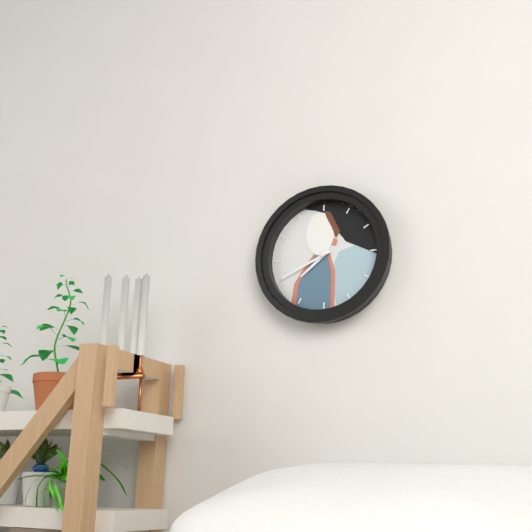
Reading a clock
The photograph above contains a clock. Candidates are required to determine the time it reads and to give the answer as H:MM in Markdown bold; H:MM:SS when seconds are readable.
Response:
**7:41**
